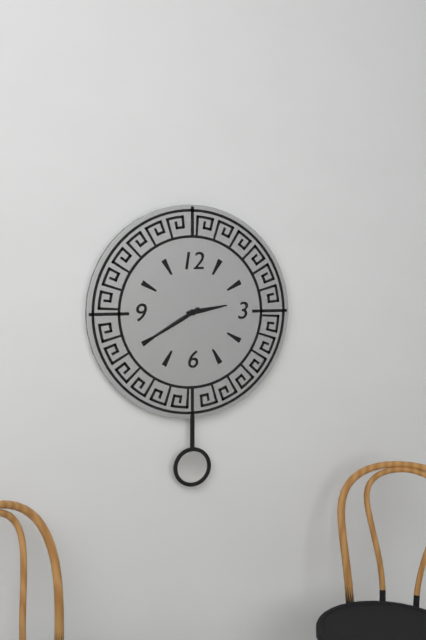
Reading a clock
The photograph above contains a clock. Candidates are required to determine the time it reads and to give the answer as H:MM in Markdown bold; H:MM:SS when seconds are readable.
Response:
**2:40**
